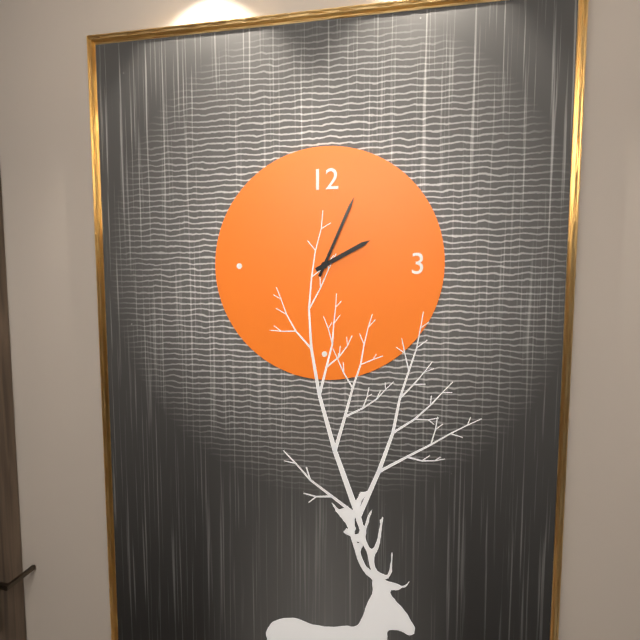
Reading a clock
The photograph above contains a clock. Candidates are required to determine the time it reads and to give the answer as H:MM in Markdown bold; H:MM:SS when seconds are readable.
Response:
**2:04**
